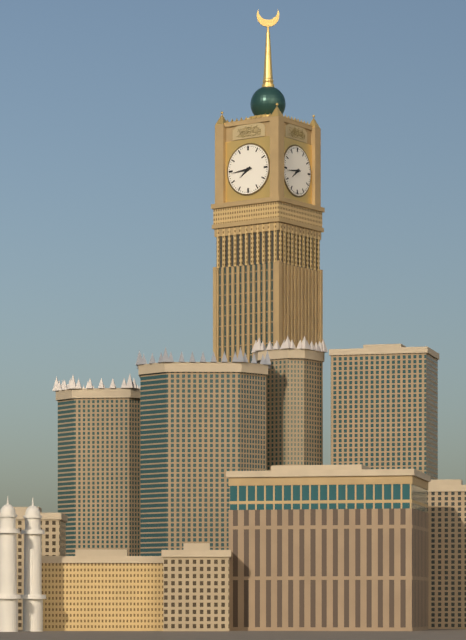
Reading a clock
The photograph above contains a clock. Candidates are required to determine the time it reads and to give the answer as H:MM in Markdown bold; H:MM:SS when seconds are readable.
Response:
**7:44**
